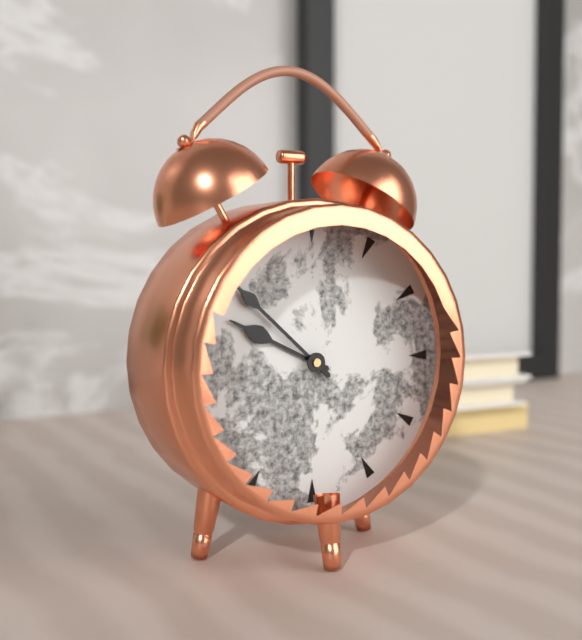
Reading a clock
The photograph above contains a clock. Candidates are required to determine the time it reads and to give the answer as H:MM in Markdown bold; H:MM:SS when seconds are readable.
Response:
**9:52**
